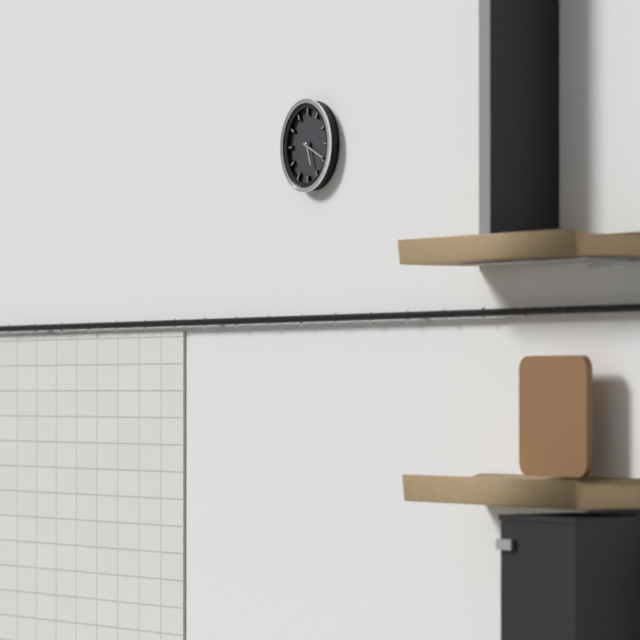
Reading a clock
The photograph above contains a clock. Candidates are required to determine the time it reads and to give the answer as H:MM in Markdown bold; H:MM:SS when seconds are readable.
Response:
**5:19**
